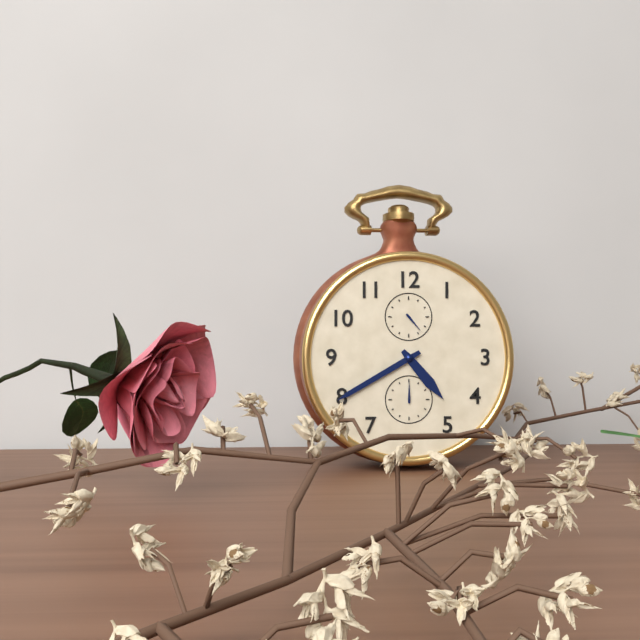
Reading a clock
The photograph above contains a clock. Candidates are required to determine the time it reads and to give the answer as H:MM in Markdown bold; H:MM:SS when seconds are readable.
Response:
**4:40**
